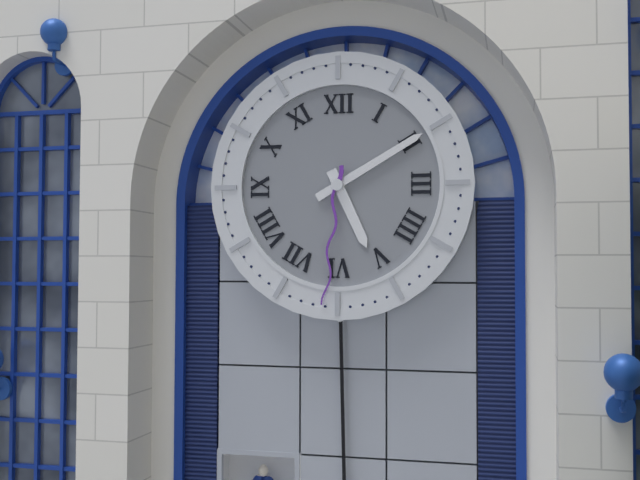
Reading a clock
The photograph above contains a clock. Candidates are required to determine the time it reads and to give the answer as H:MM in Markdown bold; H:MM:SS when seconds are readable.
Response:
**5:10:31**
